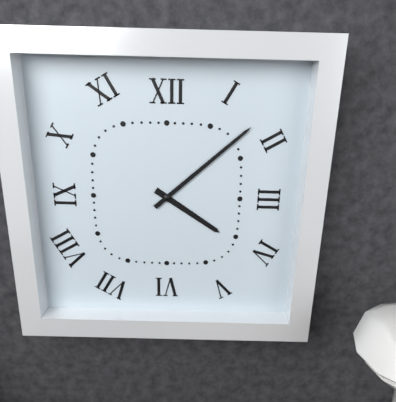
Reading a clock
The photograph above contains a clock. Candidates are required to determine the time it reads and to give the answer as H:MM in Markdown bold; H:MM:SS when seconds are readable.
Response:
**4:08**
